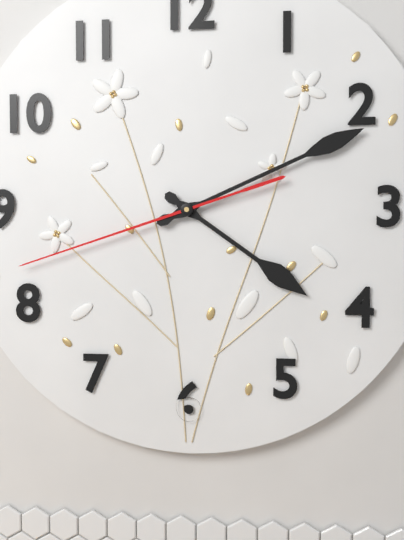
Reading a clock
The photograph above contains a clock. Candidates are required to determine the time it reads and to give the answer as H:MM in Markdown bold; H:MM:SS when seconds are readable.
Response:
**4:11:42**
